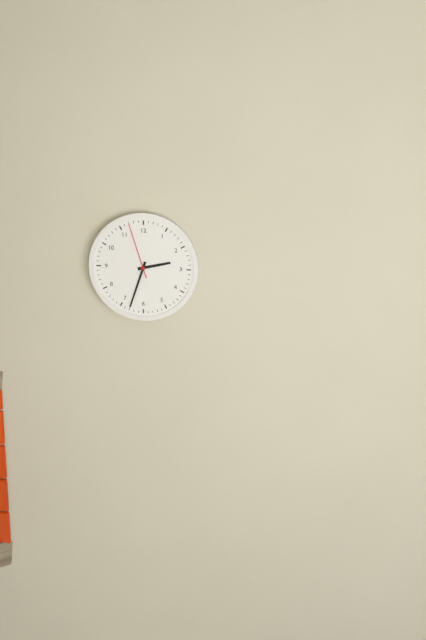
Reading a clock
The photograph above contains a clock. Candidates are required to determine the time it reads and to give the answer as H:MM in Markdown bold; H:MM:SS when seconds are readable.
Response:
**2:33:57**
